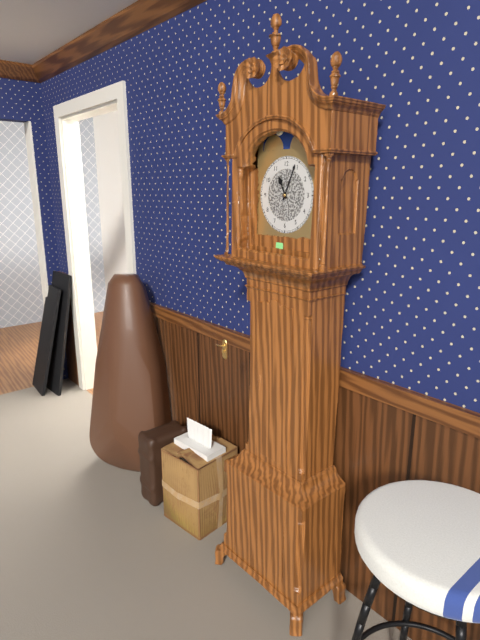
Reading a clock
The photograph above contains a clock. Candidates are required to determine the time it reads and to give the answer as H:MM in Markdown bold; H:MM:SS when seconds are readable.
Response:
**11:04**
